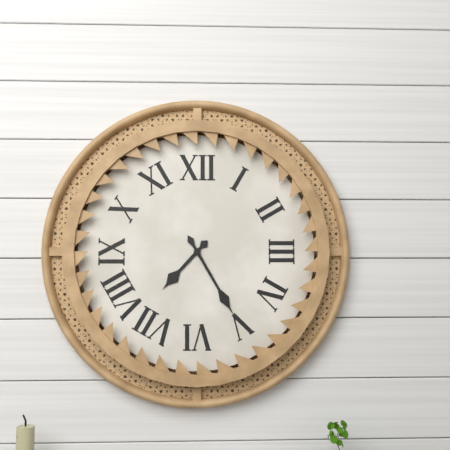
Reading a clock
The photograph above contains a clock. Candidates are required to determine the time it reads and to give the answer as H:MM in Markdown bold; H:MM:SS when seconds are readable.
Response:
**7:25**
